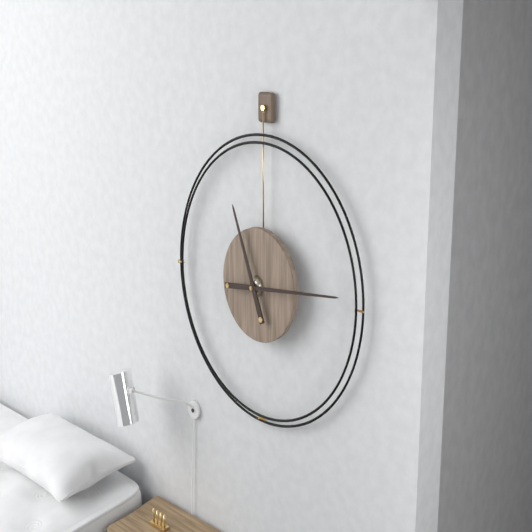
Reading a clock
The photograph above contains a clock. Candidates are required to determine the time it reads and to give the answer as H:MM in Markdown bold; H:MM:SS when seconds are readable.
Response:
**11:14**
